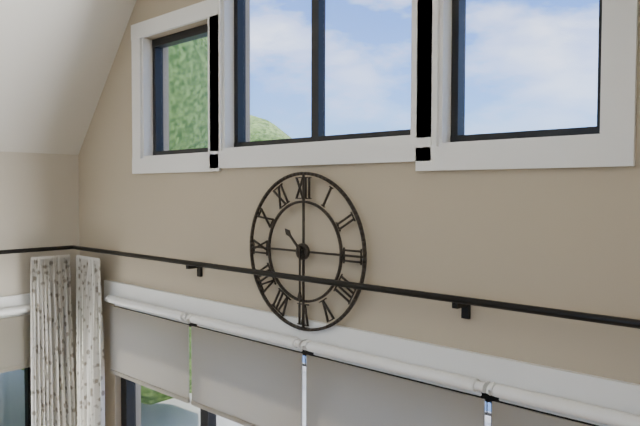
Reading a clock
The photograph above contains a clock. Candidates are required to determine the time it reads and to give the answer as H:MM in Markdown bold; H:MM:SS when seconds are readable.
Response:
**10:30**
